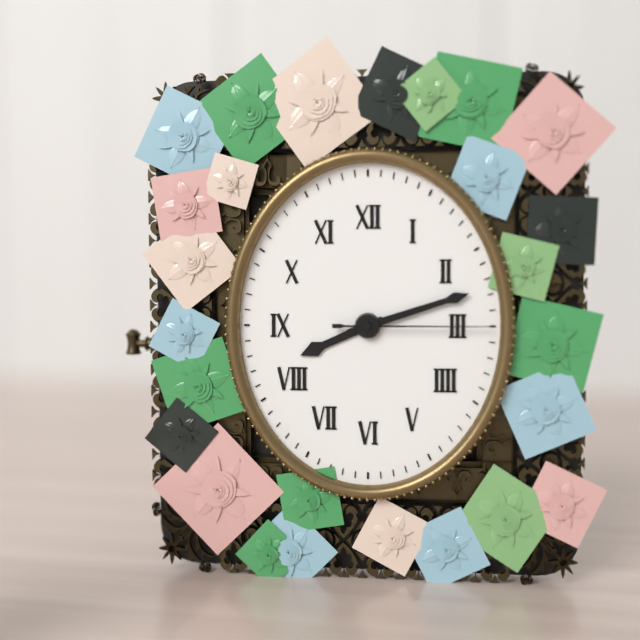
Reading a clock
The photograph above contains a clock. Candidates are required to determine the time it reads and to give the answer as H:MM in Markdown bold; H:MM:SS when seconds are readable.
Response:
**8:12:15**
